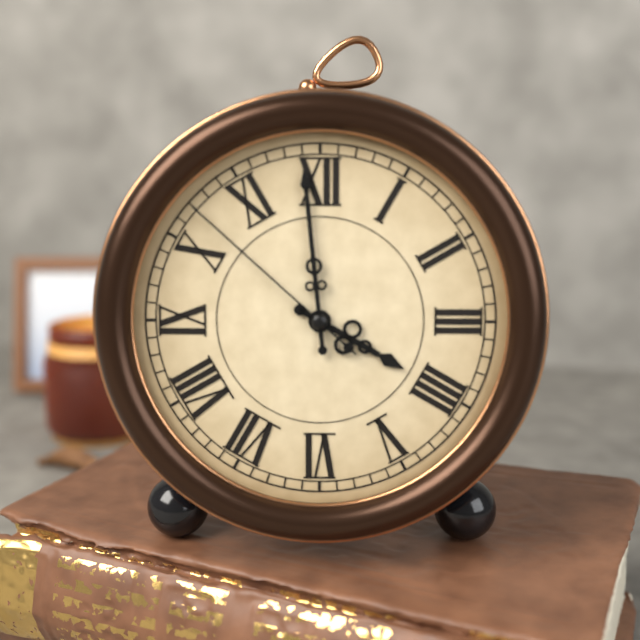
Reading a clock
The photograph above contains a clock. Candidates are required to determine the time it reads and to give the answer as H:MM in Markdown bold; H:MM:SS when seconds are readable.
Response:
**3:59:52**
